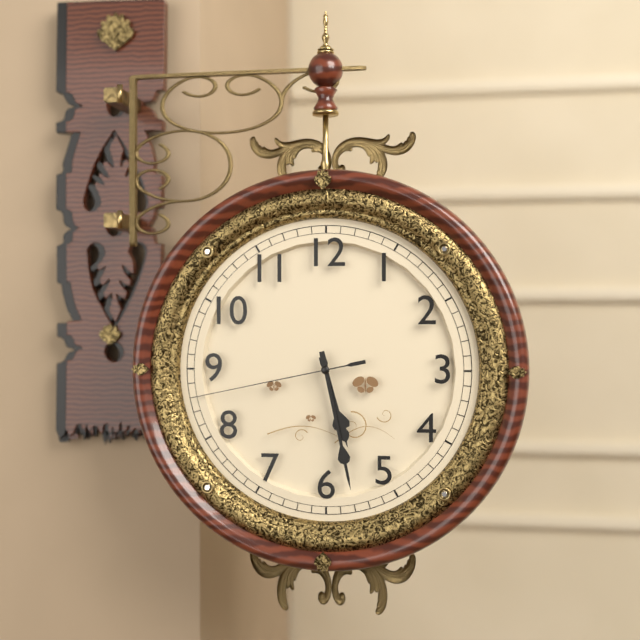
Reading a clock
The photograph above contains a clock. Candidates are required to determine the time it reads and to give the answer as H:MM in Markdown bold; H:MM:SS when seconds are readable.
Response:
**5:28:43**
